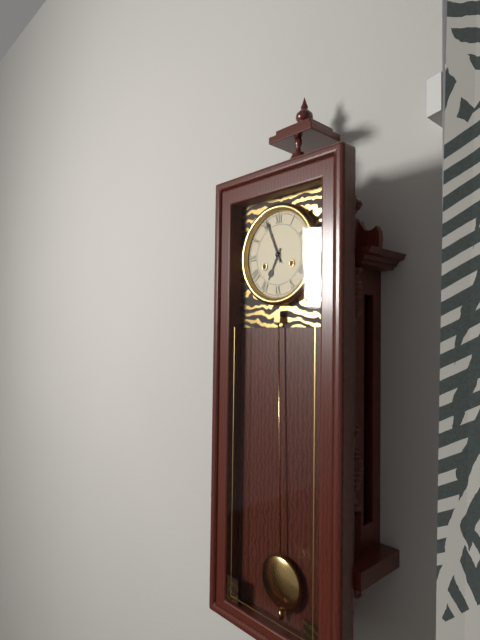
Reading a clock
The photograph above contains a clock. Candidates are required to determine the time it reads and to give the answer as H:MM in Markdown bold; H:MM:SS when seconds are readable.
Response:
**6:56**
